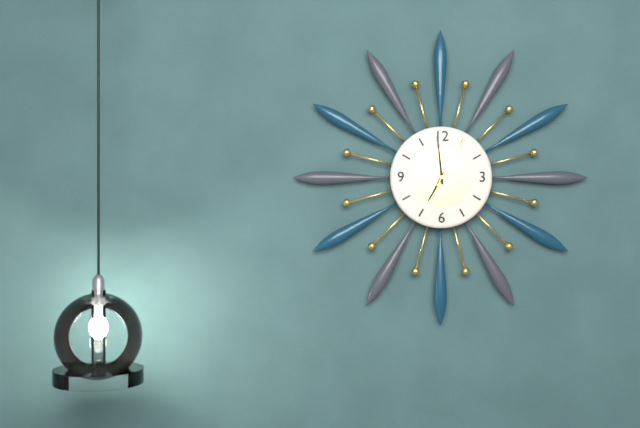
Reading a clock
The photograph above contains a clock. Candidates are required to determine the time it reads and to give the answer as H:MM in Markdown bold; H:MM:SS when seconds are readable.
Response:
**6:59:05**
